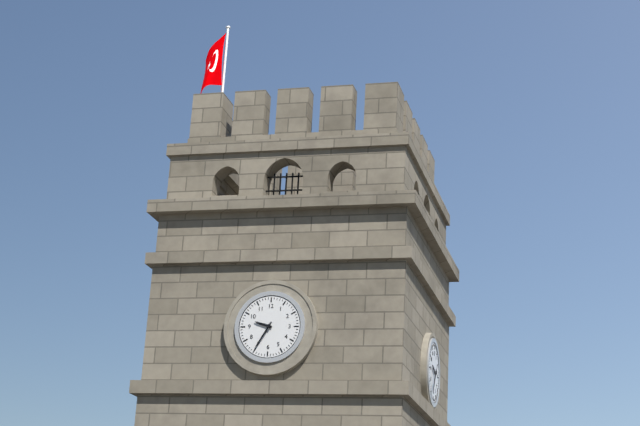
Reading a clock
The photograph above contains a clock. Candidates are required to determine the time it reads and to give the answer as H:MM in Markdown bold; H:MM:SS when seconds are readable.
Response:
**9:35**
